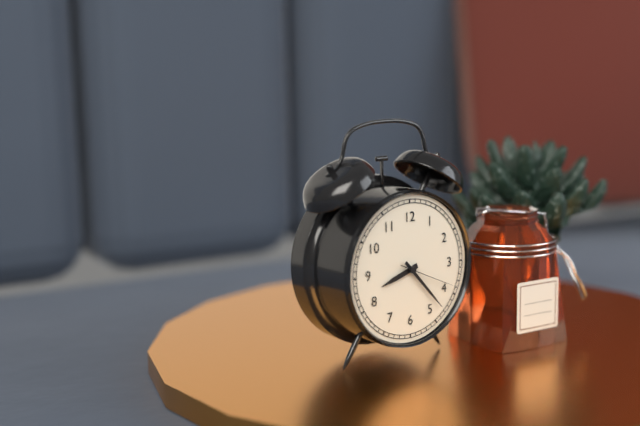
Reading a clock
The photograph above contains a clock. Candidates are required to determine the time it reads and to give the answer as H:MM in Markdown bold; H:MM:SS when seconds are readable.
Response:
**8:23:19**
